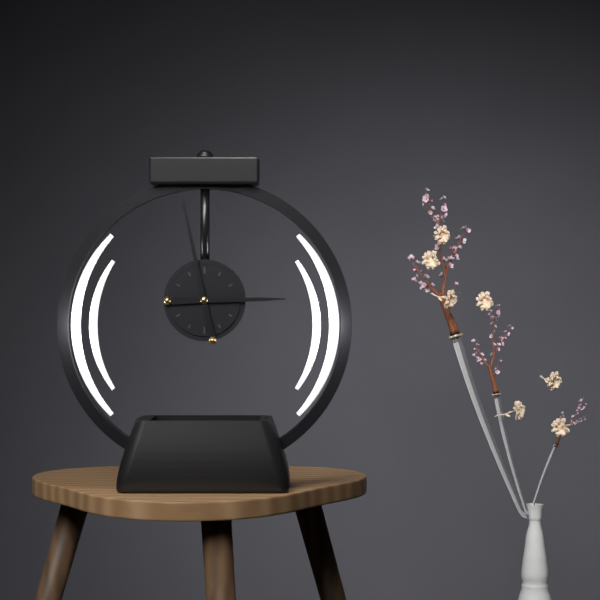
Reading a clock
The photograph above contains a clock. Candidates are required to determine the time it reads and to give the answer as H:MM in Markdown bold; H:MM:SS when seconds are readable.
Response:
**2:58**
